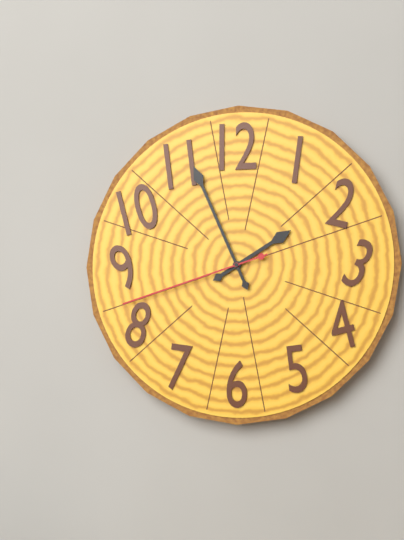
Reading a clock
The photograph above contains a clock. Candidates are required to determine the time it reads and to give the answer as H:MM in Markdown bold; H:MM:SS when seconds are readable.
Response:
**1:56:42**
